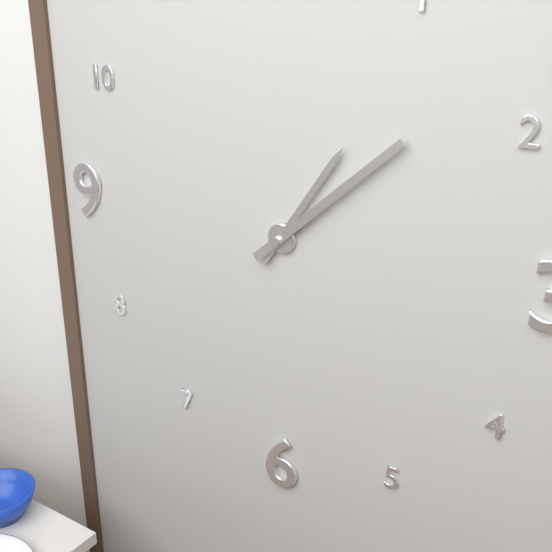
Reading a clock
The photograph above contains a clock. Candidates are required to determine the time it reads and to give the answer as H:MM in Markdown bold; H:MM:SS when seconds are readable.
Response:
**1:08**
